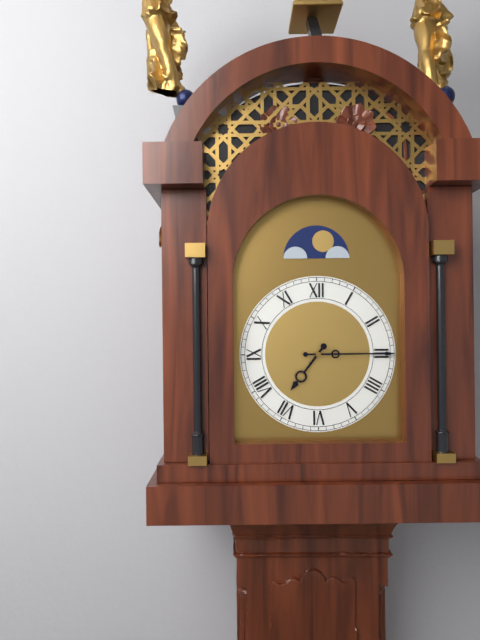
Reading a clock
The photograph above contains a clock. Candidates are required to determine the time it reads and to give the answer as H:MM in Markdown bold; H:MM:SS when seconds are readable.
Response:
**7:15**
